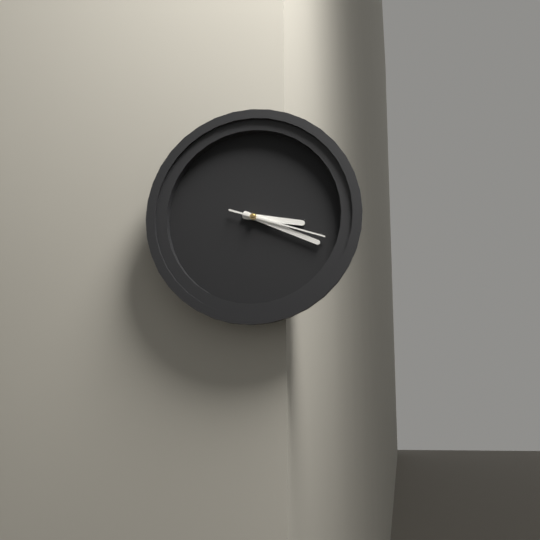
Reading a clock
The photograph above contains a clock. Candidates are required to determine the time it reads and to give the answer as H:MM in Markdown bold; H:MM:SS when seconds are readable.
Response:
**3:19:18**
